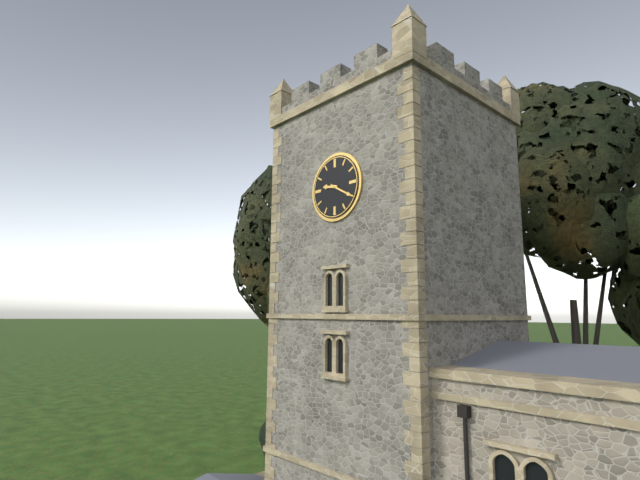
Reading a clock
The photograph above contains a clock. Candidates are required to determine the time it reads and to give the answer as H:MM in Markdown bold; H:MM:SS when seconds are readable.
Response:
**9:20**
